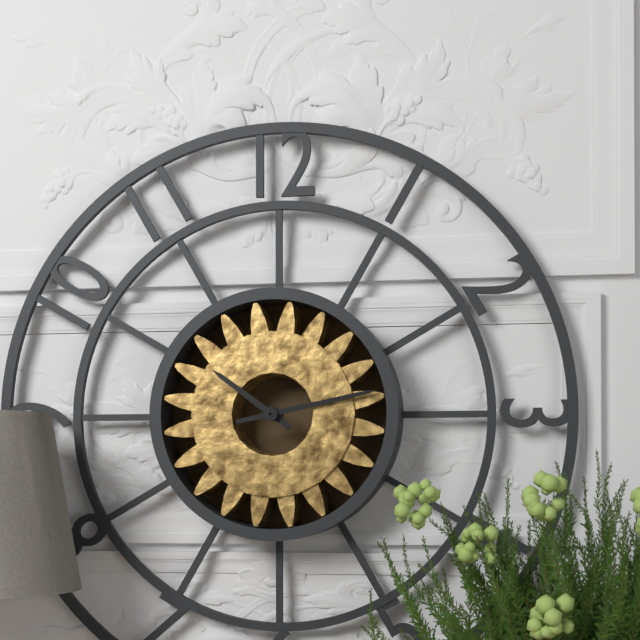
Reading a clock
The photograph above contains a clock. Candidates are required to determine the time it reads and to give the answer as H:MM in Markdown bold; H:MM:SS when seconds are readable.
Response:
**10:13**
